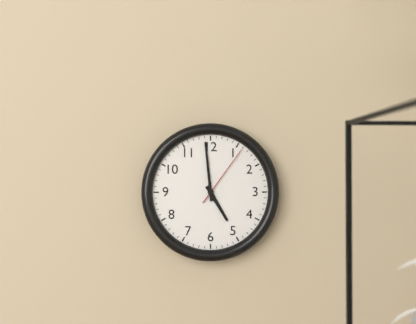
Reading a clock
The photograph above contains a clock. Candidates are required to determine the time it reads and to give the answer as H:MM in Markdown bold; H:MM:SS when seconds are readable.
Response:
**4:59:06**
